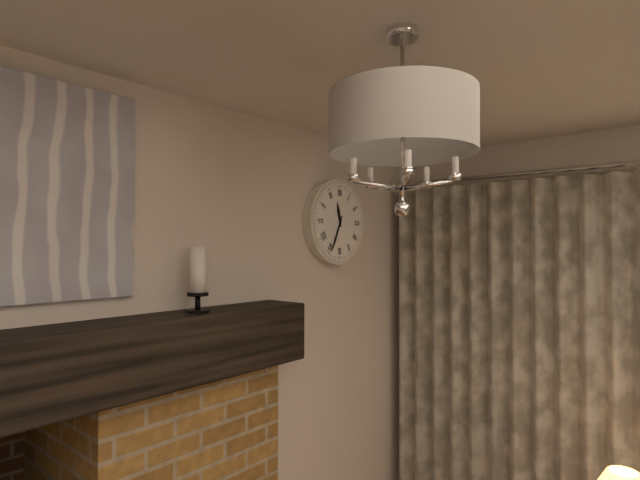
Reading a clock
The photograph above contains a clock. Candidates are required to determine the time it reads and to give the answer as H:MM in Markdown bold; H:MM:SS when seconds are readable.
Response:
**11:34**
